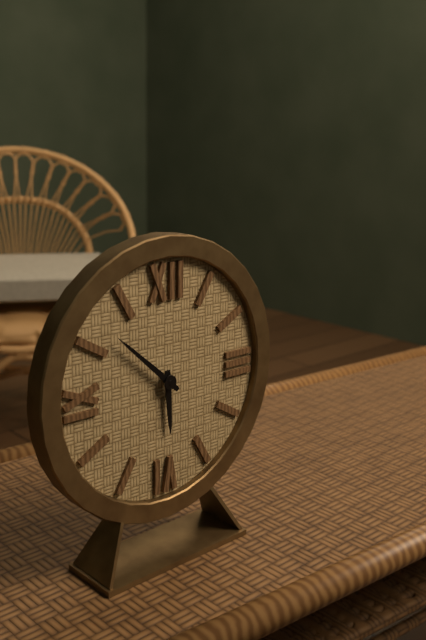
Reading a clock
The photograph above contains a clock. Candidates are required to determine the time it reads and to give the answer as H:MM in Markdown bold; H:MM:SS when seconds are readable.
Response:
**5:52**
